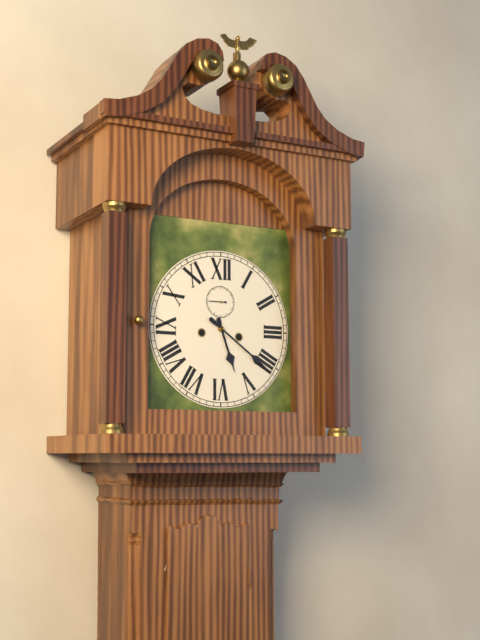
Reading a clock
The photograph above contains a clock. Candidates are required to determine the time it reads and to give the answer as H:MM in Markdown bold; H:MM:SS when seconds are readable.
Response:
**5:21**
